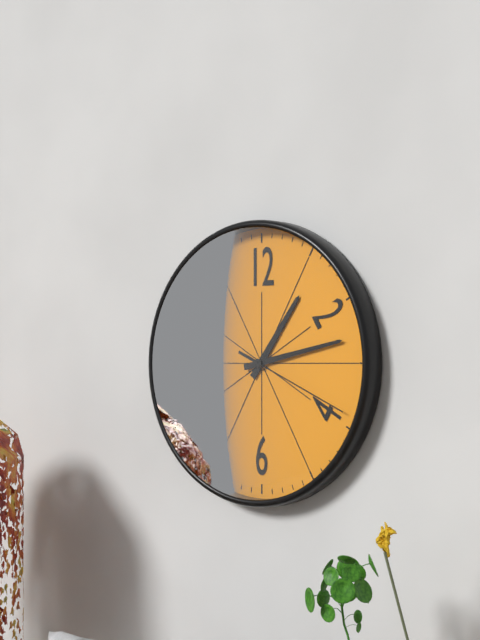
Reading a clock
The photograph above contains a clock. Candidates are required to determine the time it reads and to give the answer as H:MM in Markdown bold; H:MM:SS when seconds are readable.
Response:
**1:13:19**
